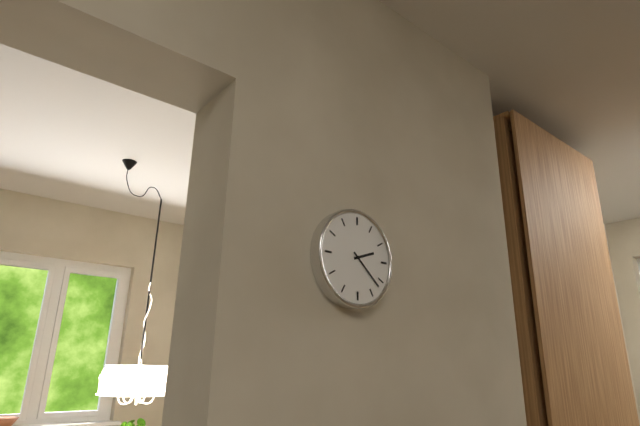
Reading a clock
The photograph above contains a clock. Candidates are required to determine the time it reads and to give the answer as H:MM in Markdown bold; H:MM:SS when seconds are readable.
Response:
**2:22**
